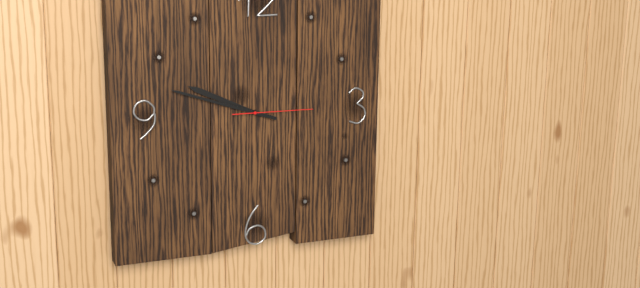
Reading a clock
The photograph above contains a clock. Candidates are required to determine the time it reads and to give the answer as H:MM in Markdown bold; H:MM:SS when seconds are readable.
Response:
**9:48:15**
